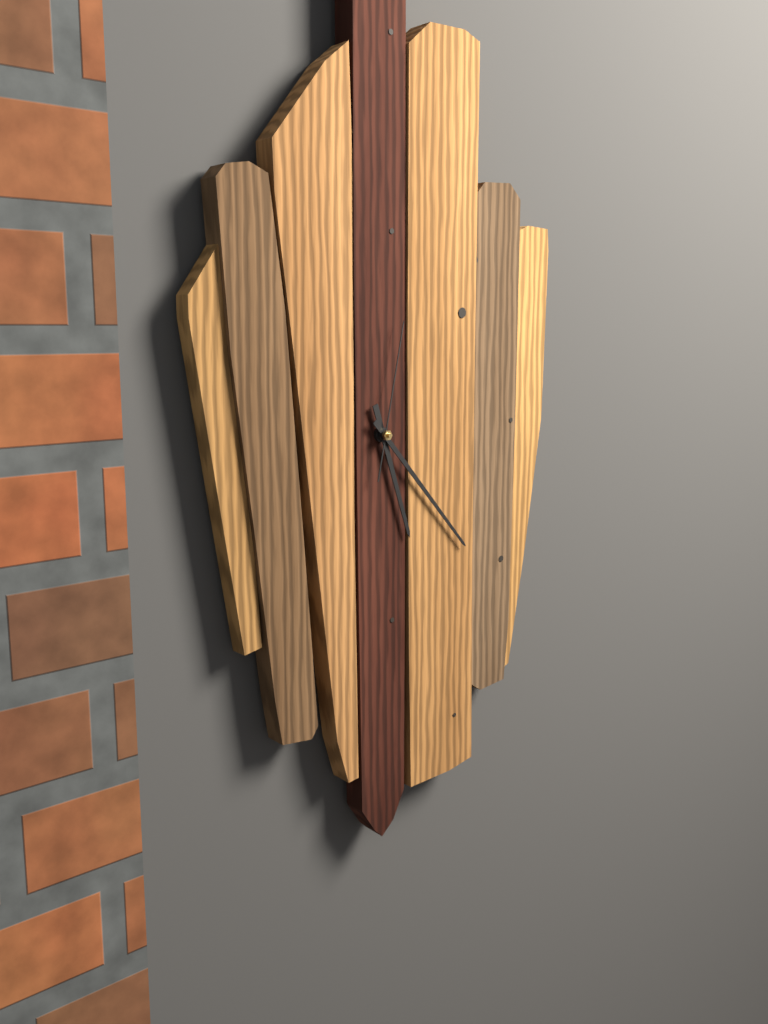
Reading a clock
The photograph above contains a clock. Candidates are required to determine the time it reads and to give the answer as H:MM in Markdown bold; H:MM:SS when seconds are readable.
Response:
**5:23:02**
